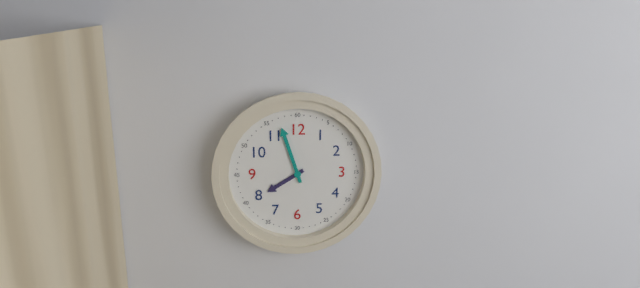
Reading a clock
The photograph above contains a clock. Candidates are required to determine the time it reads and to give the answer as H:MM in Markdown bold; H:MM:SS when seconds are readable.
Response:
**7:57**
